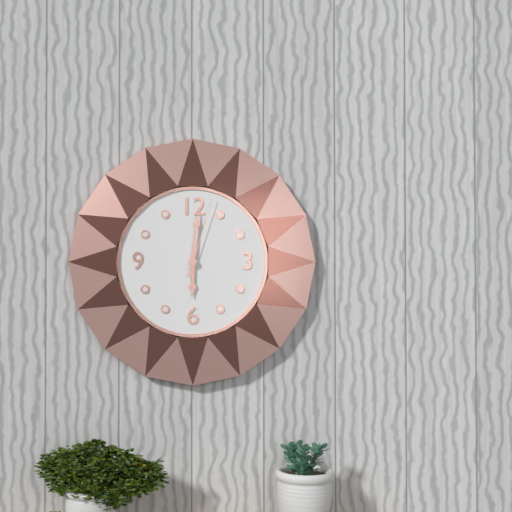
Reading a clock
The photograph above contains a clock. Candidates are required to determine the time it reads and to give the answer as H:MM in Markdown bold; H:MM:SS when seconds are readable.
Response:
**6:01:03**
